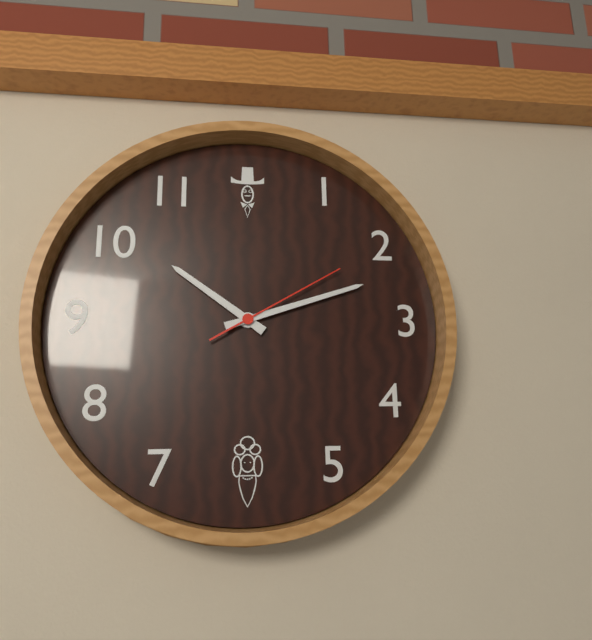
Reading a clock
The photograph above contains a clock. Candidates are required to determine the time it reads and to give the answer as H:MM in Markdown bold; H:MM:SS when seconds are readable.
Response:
**10:12:10**
